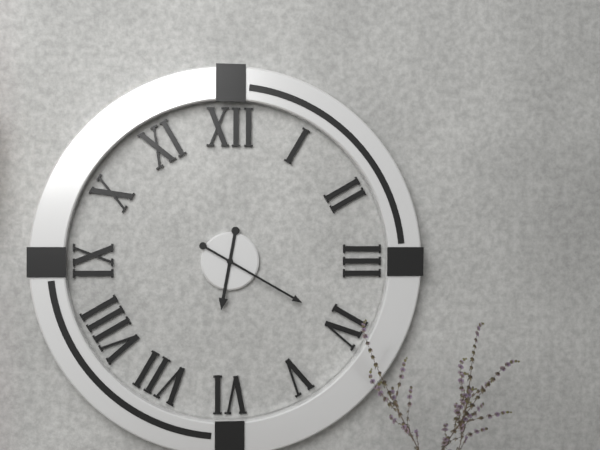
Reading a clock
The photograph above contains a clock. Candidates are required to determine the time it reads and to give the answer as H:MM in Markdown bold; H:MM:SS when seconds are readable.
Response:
**6:20**
